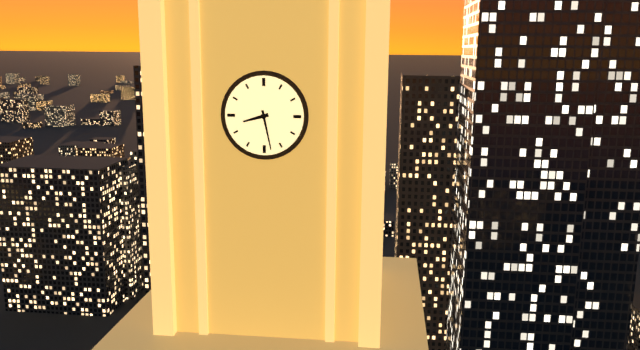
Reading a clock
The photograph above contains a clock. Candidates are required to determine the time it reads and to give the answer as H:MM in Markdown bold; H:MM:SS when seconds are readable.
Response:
**8:28**
